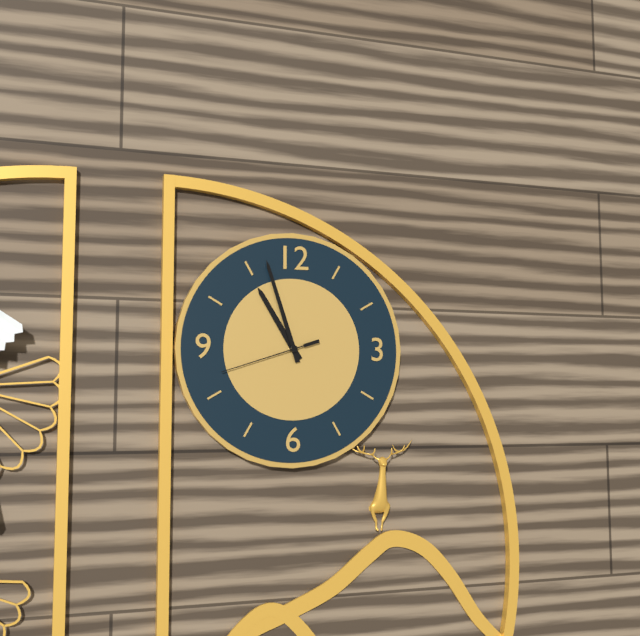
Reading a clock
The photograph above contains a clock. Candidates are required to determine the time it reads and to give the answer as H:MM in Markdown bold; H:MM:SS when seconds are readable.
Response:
**10:57:42**
